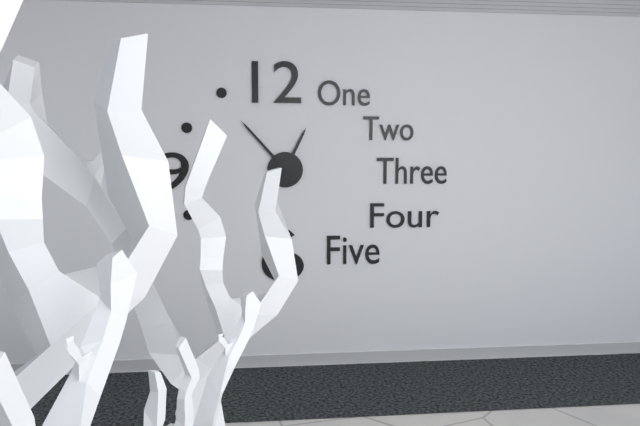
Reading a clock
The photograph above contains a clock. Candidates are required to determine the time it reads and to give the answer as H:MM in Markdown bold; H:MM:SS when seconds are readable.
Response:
**12:53**
